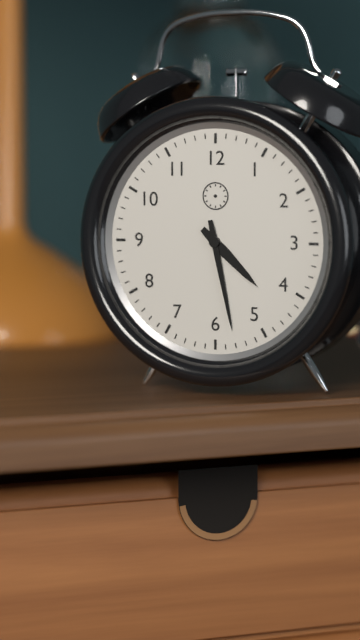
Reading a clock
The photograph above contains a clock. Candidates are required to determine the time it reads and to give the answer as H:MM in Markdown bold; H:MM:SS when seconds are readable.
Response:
**4:28**
